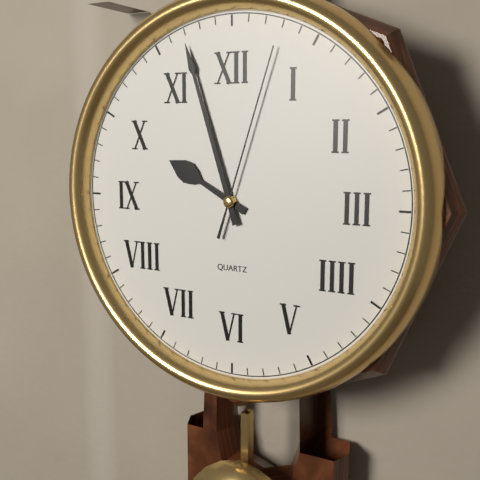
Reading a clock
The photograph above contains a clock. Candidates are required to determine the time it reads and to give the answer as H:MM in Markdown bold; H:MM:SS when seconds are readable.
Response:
**9:57:03**
